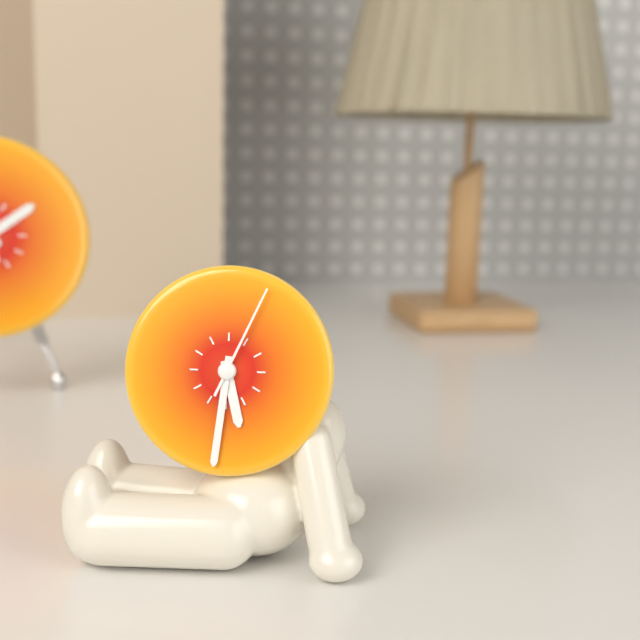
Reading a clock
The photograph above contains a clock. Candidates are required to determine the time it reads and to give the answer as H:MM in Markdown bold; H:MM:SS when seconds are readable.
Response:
**5:31:04**
